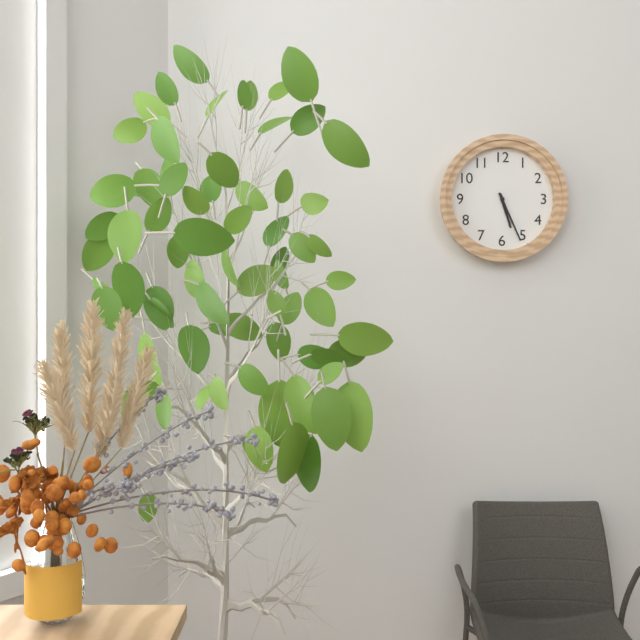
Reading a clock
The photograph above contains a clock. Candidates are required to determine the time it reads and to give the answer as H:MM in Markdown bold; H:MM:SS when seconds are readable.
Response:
**5:26**
